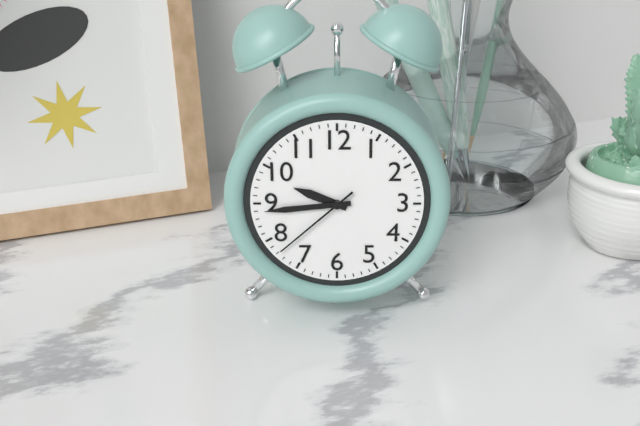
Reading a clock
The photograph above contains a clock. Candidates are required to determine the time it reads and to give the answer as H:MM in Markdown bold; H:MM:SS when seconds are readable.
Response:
**9:44:38**
